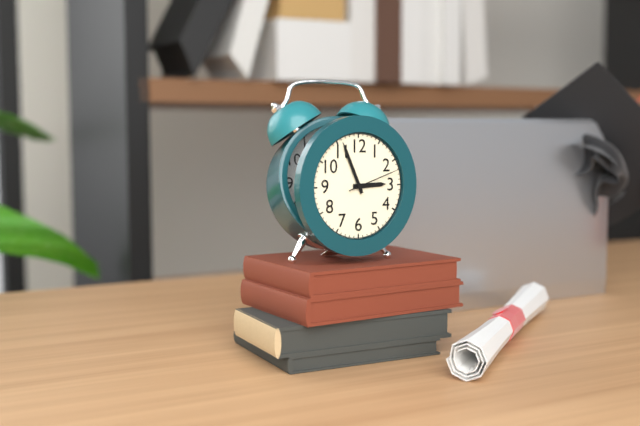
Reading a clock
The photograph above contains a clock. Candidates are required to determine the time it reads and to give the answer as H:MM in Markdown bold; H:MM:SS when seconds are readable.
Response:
**2:56:12**
